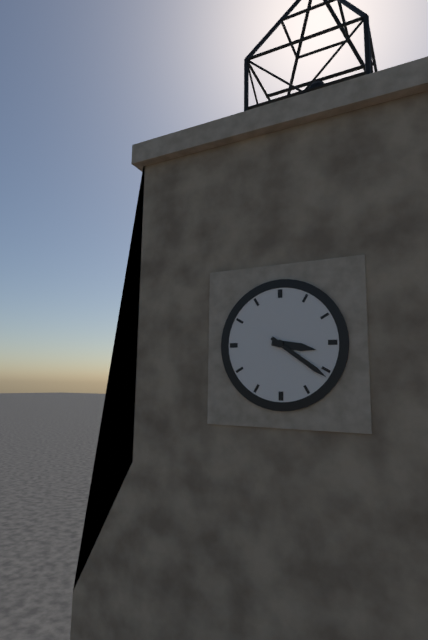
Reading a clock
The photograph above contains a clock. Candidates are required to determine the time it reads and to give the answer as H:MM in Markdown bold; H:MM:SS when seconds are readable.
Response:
**3:21**
